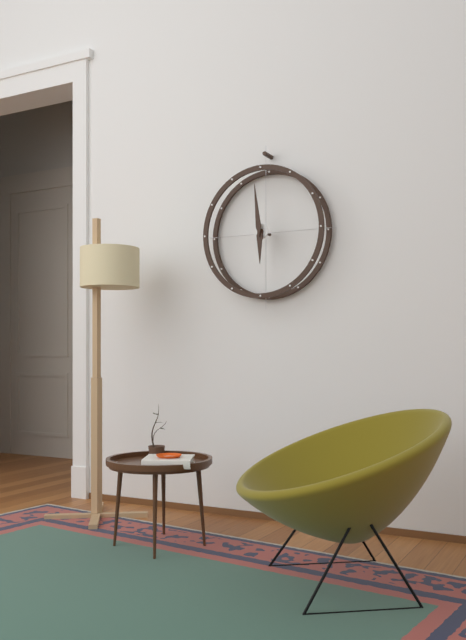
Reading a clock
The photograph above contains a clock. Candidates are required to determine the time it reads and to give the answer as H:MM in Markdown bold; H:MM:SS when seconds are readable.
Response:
**5:59**
